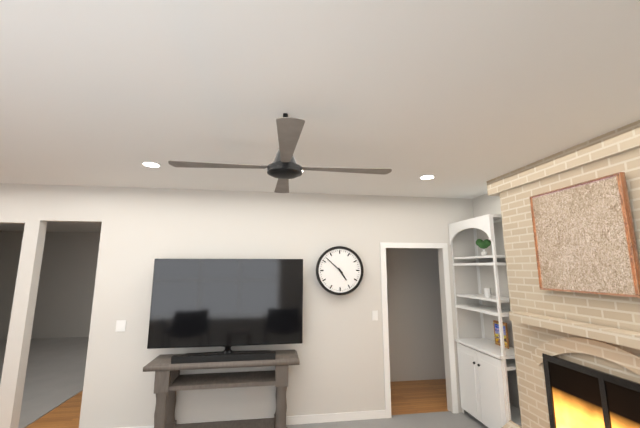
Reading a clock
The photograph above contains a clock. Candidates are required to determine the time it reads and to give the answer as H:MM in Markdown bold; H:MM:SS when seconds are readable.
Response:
**4:52**
